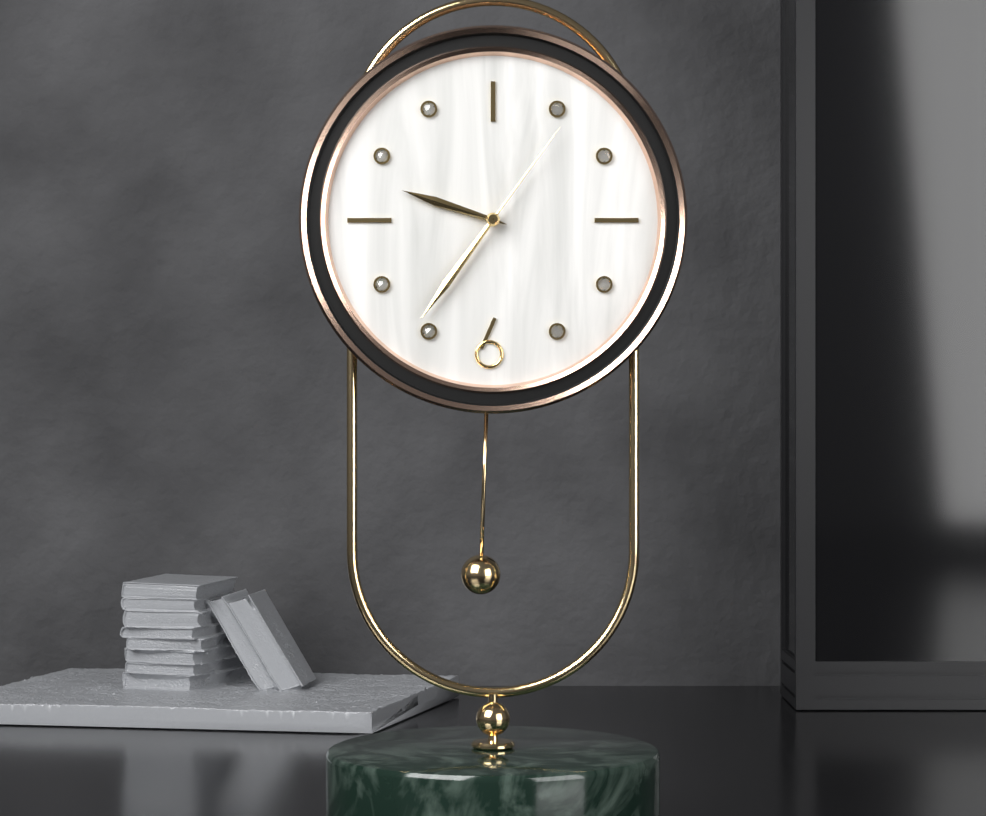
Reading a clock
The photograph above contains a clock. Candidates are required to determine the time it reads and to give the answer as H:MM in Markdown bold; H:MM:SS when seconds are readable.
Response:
**9:36:06**
